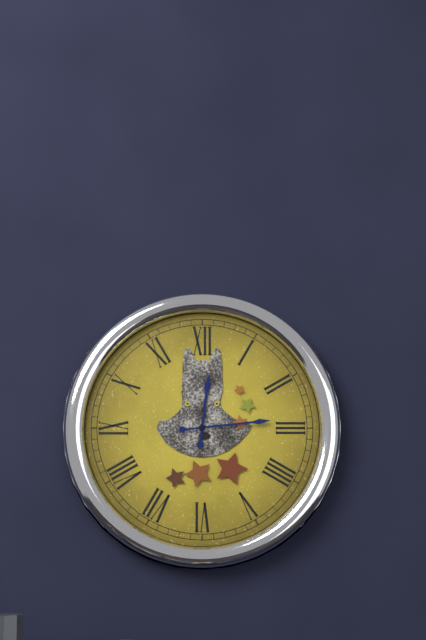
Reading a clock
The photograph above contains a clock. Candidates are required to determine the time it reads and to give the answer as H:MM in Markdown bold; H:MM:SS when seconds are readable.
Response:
**12:14**
